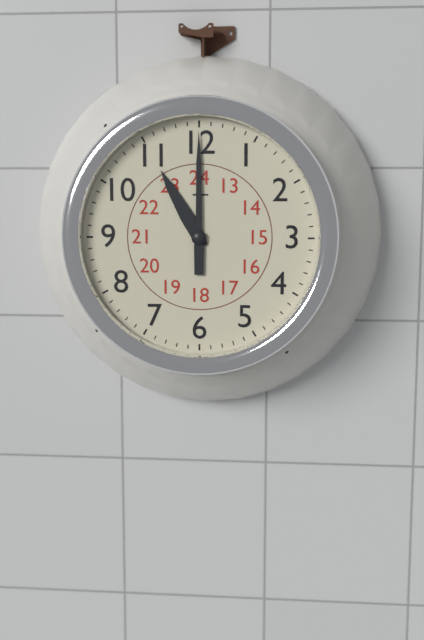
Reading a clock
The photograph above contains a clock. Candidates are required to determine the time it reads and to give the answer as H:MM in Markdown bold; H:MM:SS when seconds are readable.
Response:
**11:00**
